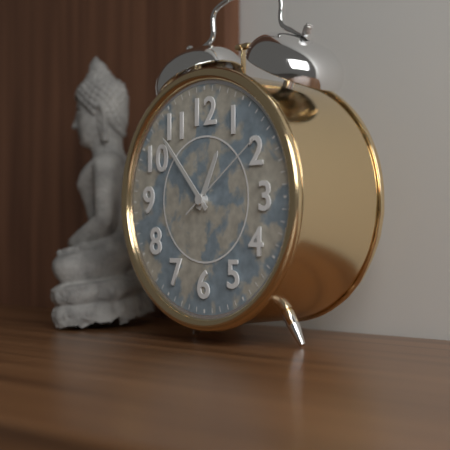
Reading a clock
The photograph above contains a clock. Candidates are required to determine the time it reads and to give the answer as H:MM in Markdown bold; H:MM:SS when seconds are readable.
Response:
**12:53:09**
